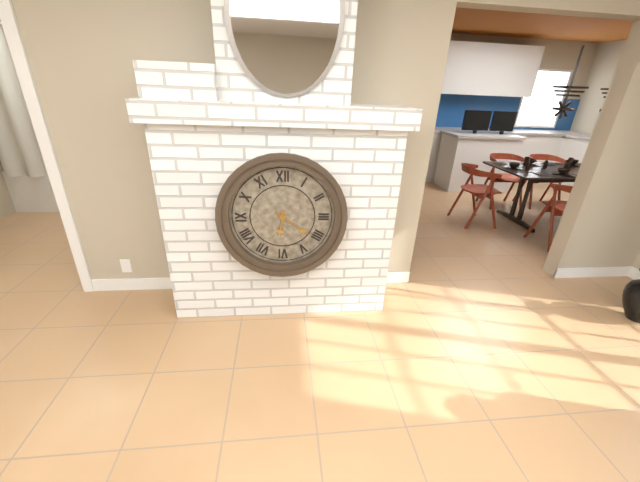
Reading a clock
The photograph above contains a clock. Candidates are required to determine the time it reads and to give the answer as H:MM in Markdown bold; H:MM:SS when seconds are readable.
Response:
**6:21**
